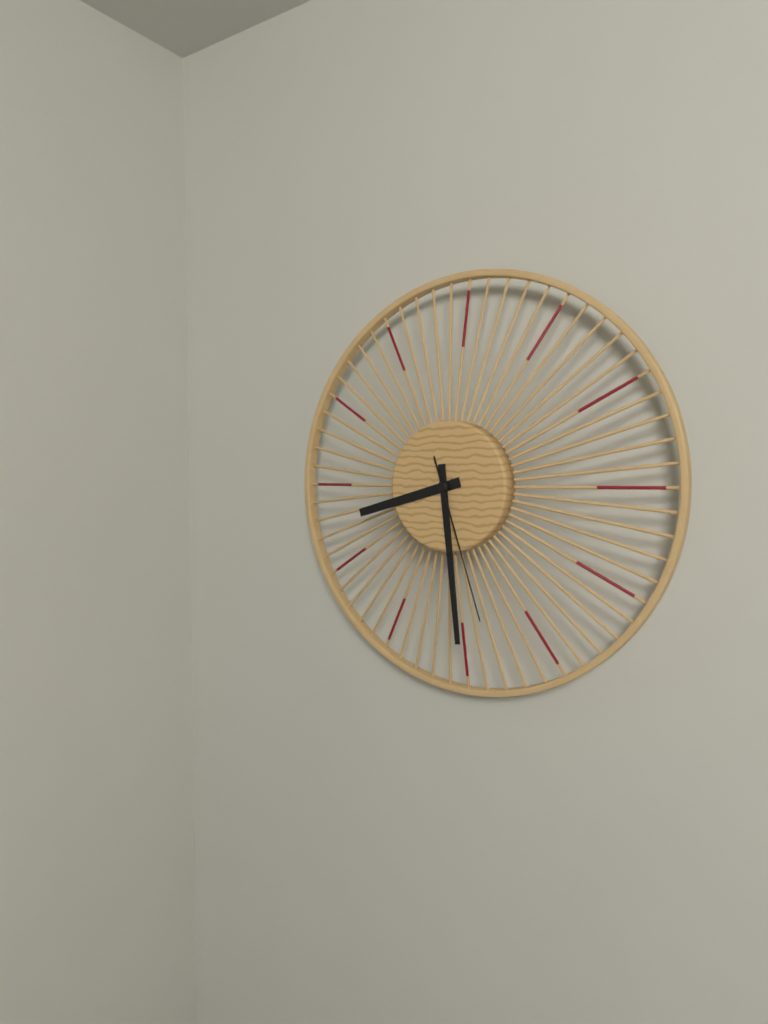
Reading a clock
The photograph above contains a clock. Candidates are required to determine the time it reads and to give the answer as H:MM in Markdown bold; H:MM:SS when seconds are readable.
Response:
**8:29:27**
